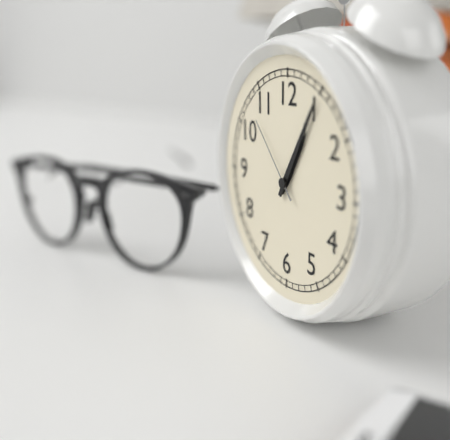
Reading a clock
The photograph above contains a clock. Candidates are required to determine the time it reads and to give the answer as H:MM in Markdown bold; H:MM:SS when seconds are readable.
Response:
**1:05:53**
